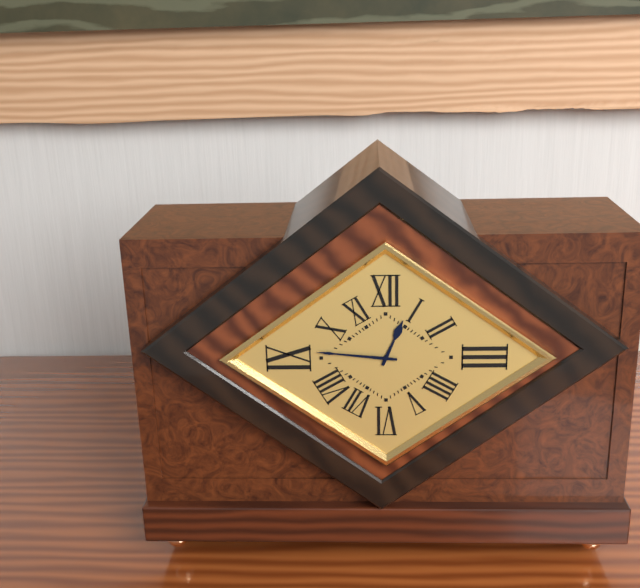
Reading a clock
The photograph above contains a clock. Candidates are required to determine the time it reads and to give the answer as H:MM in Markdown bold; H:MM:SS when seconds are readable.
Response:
**12:46**
